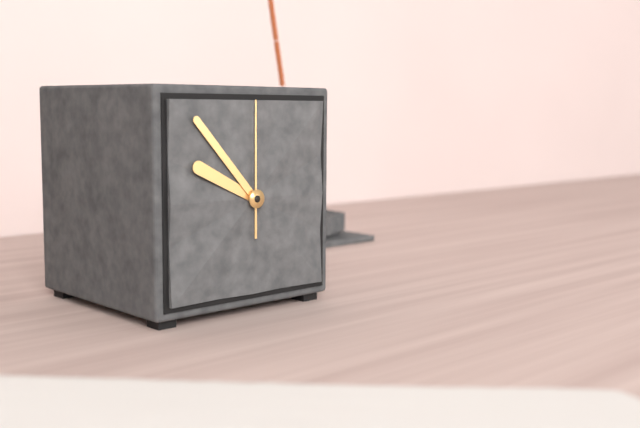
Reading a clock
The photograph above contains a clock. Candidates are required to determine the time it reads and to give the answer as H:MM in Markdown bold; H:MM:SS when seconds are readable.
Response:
**9:53:00**
